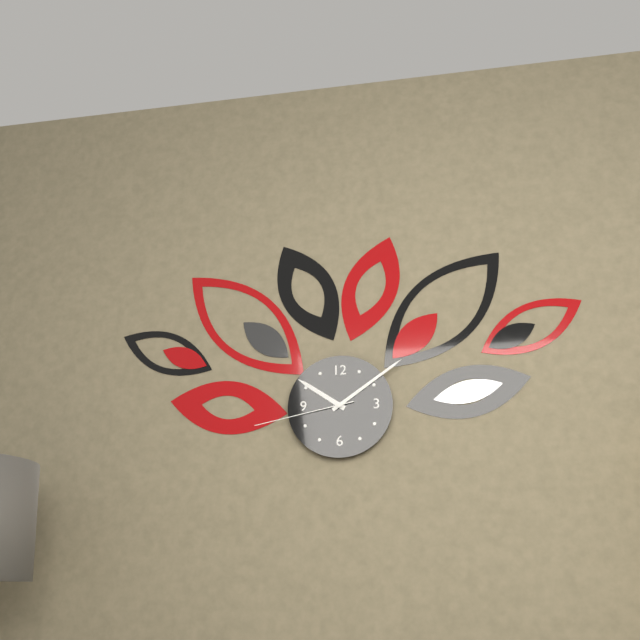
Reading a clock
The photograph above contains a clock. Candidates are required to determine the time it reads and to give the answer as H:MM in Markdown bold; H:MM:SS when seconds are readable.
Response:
**10:09:43**
